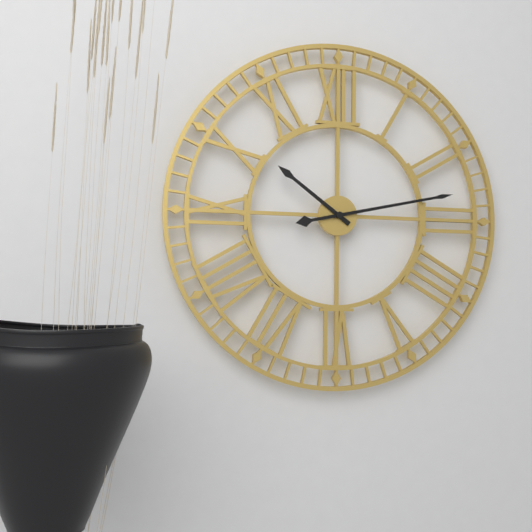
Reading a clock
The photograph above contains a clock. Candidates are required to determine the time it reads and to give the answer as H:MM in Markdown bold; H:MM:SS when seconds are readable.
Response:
**10:13**
